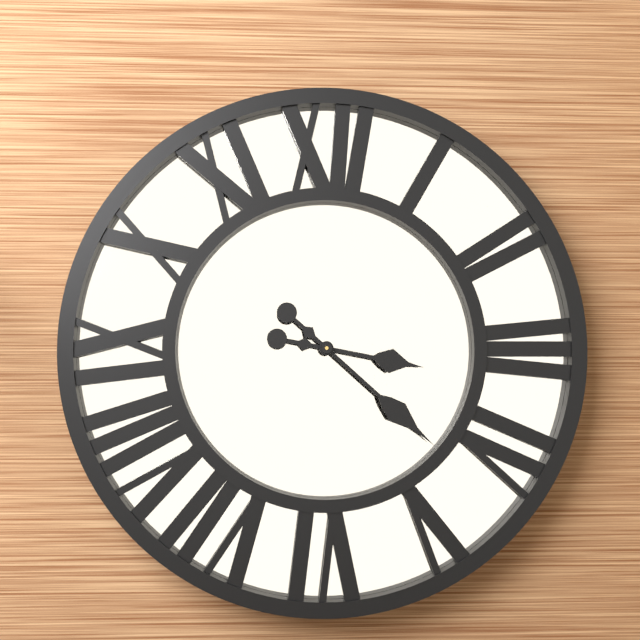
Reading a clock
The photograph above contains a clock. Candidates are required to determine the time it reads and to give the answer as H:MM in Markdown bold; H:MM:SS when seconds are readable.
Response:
**3:22**
